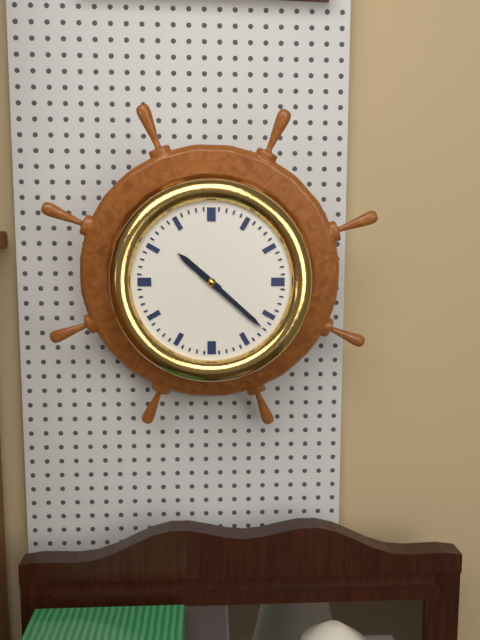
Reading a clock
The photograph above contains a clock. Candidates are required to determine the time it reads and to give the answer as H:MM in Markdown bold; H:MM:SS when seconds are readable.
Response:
**10:22**
